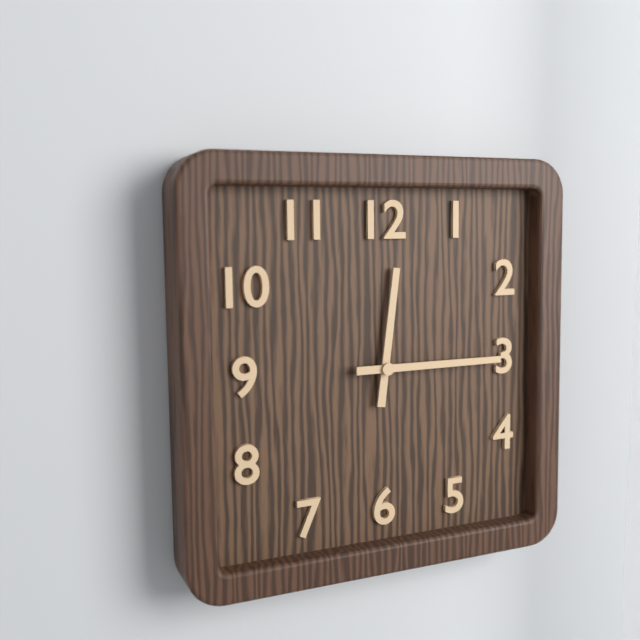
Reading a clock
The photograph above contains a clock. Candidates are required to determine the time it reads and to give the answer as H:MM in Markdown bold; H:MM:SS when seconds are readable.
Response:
**12:15**
